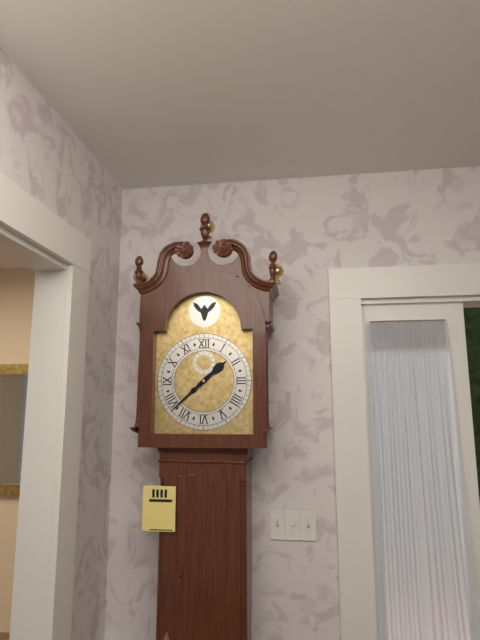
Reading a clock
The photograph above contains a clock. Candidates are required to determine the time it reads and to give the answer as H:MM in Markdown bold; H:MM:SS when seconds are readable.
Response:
**1:38**
